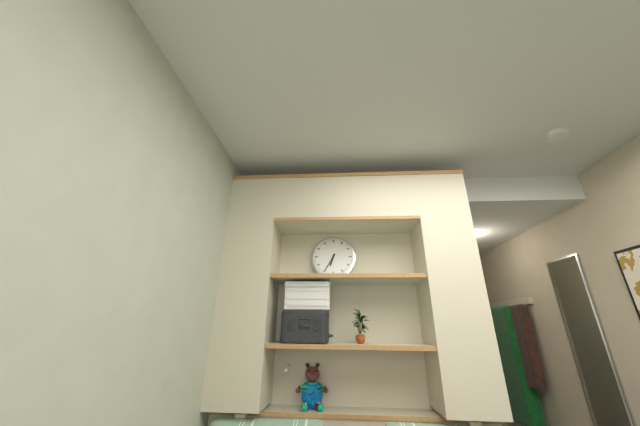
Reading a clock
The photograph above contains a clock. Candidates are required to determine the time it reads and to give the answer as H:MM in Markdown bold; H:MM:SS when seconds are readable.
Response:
**6:35**
